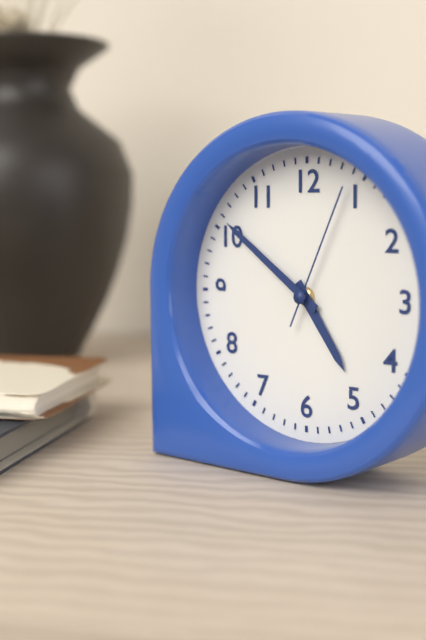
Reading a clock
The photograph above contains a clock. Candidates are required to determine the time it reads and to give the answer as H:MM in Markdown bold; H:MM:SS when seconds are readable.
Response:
**4:51:04**
